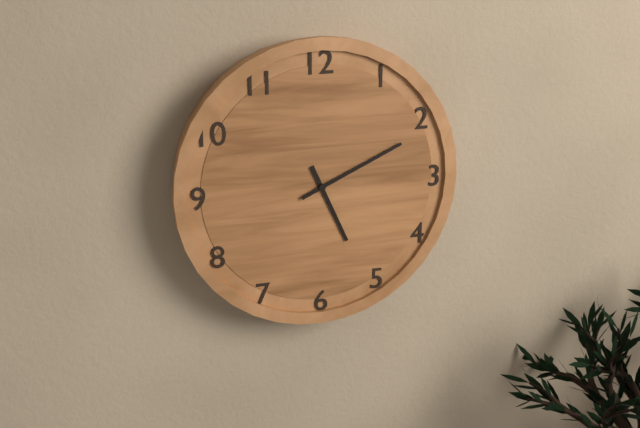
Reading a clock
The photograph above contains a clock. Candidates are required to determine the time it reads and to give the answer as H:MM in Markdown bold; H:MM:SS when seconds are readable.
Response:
**5:11**
